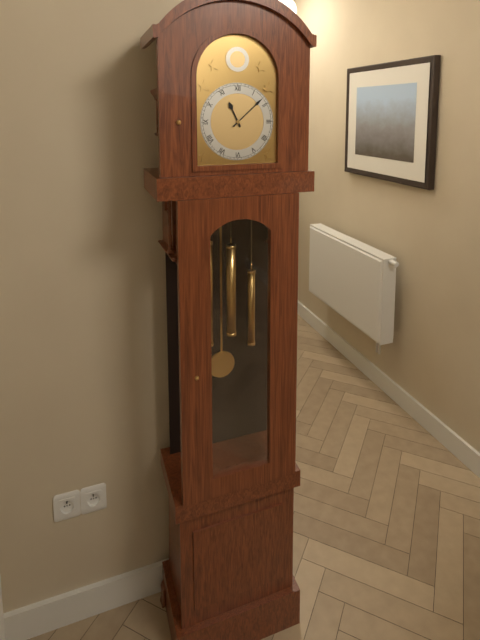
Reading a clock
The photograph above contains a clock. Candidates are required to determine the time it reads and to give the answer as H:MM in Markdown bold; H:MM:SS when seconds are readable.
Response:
**11:08**
